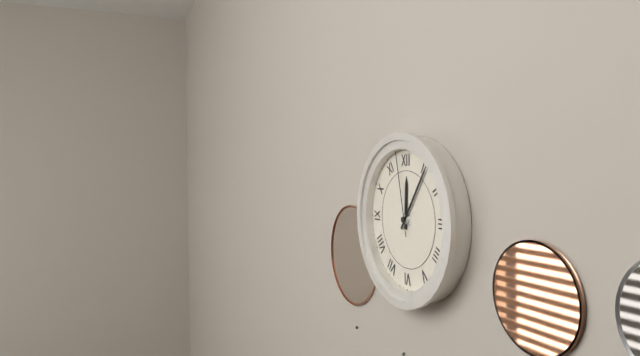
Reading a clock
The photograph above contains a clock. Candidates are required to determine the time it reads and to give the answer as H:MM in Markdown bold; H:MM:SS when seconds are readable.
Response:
**12:06:58**
